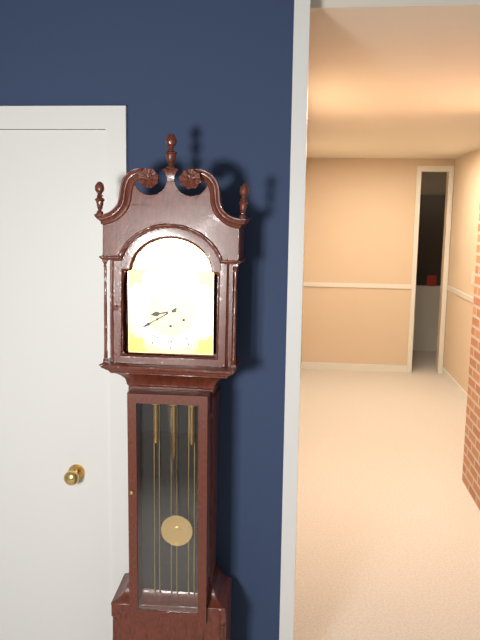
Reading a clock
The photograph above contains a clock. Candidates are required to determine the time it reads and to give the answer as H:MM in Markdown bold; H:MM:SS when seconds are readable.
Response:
**8:40**
